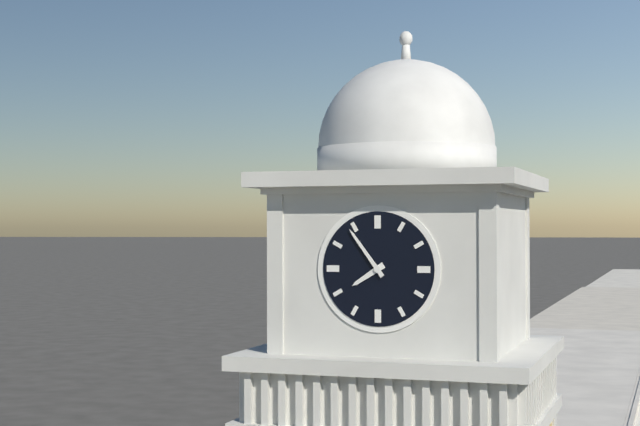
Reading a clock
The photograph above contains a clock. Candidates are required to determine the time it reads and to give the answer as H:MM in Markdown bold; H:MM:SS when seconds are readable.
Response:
**7:54**
